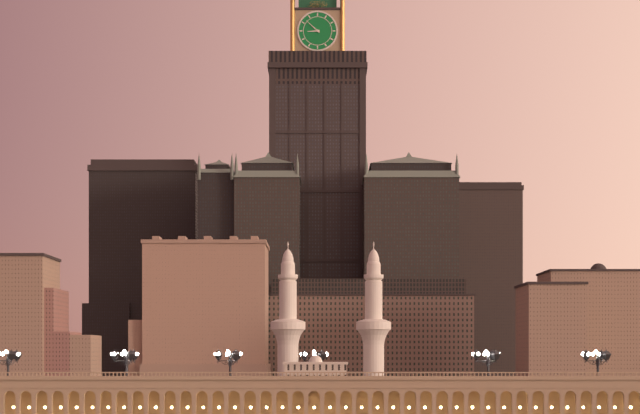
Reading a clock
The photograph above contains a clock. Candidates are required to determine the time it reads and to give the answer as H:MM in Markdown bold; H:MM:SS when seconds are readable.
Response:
**8:52**
